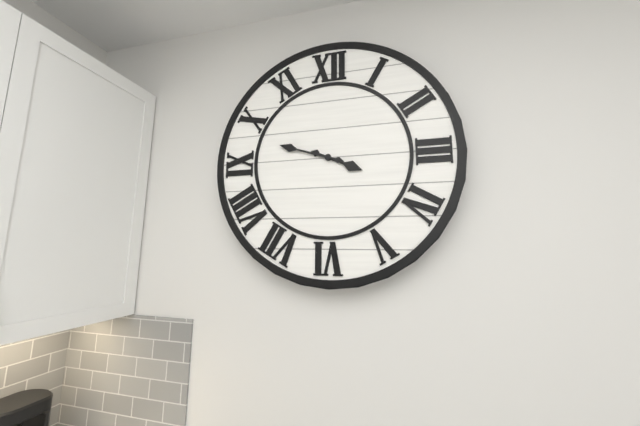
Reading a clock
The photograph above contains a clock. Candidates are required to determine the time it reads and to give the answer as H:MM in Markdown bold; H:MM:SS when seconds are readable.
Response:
**3:48**
